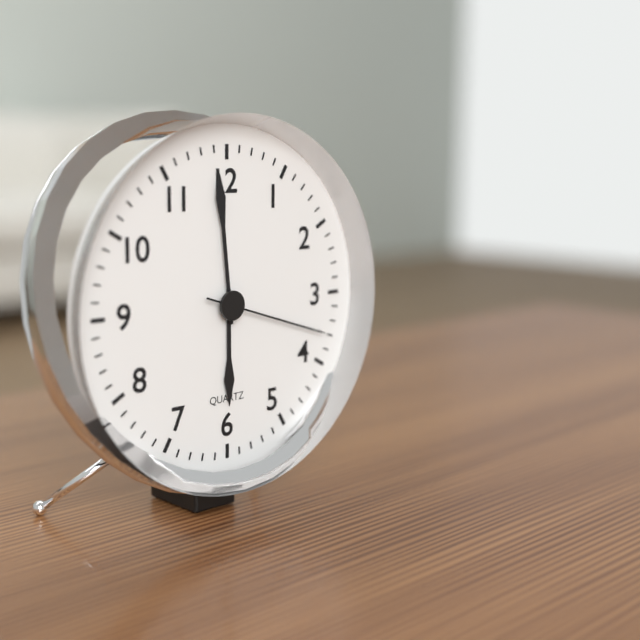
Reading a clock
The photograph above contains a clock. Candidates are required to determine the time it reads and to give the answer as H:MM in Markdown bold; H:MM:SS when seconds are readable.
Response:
**5:59:18**
